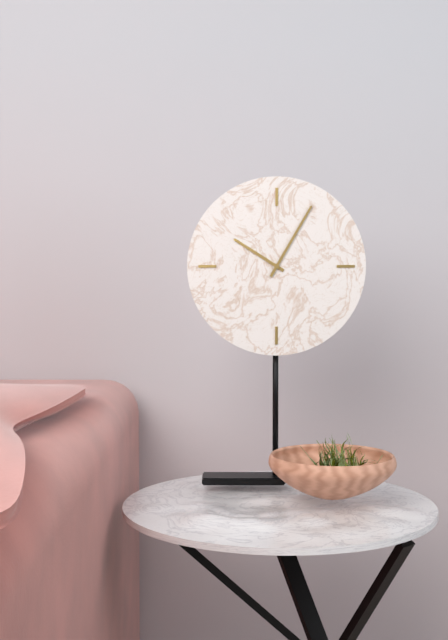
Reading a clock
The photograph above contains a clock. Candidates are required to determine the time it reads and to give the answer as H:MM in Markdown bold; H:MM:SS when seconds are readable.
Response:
**10:05**
